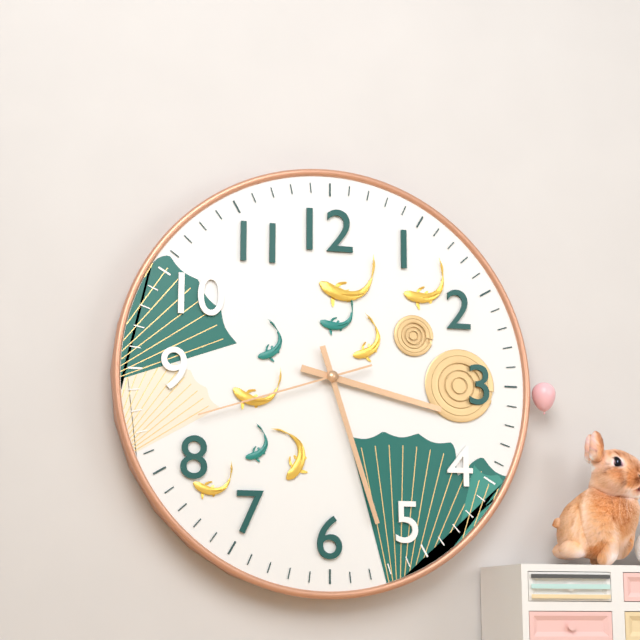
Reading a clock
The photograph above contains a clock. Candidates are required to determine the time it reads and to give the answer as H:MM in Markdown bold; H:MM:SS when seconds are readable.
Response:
**3:27:42**
